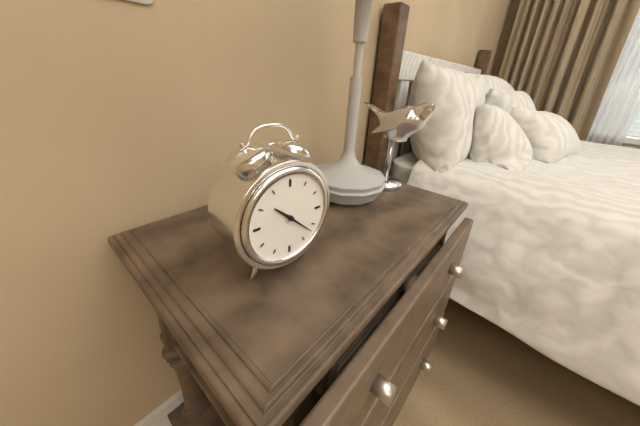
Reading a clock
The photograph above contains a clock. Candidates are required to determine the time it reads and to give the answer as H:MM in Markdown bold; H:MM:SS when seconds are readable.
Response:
**10:22**
